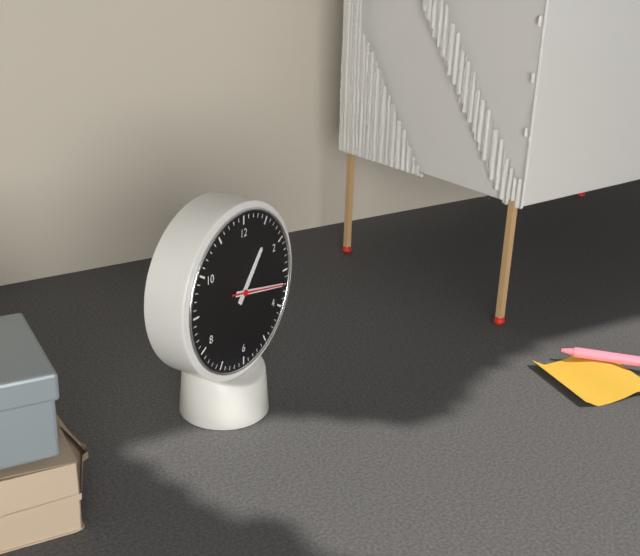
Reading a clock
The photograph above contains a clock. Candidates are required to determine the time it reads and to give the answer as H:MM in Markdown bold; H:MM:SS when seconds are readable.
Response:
**1:17:17**
